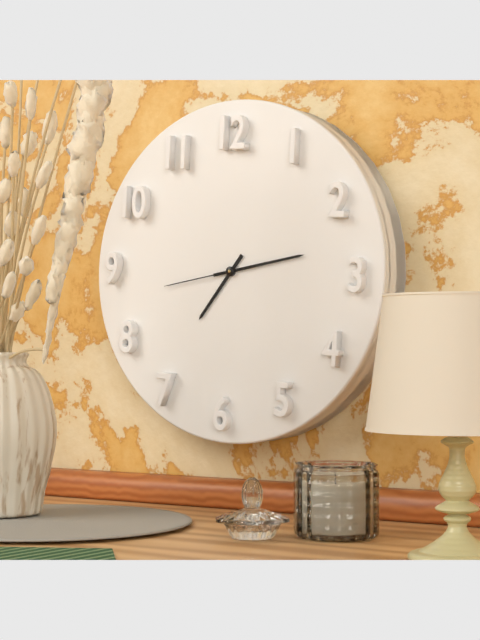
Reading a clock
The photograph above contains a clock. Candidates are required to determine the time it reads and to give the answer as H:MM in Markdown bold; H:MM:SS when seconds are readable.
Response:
**7:13:43**
